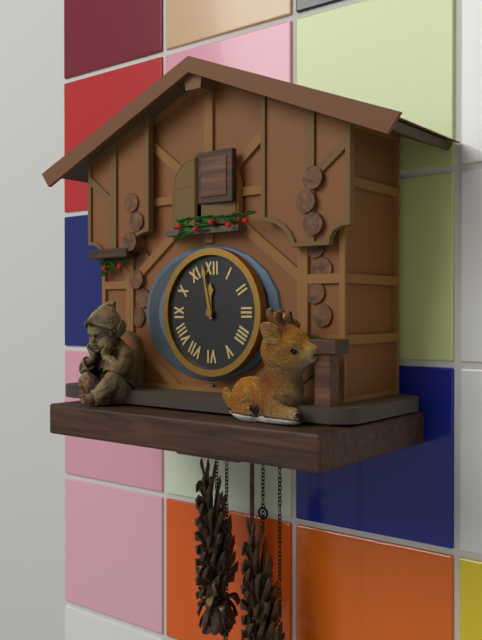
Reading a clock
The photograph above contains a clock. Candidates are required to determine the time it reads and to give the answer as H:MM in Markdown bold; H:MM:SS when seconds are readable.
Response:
**11:58**
